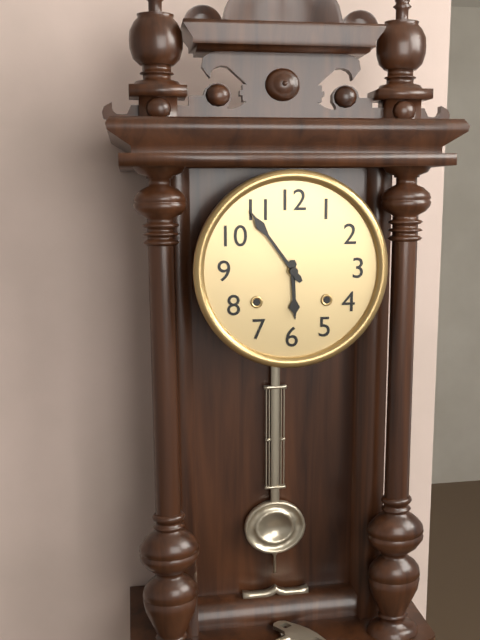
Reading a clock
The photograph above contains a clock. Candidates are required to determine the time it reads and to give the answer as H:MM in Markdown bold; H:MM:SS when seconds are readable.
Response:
**5:54**
